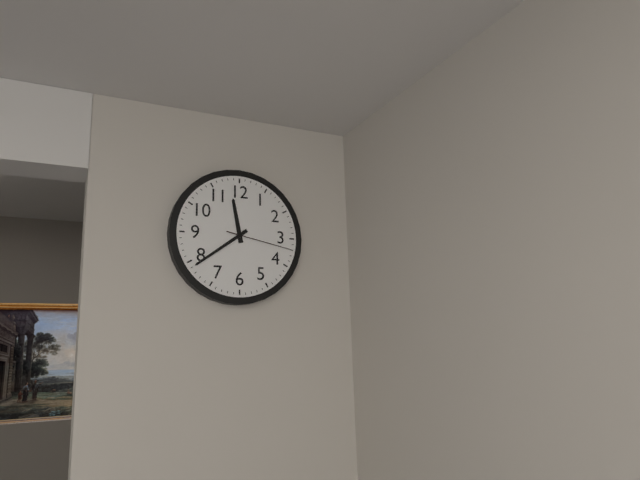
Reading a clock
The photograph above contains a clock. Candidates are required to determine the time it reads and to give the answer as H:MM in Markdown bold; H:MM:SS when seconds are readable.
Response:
**11:39:17**
